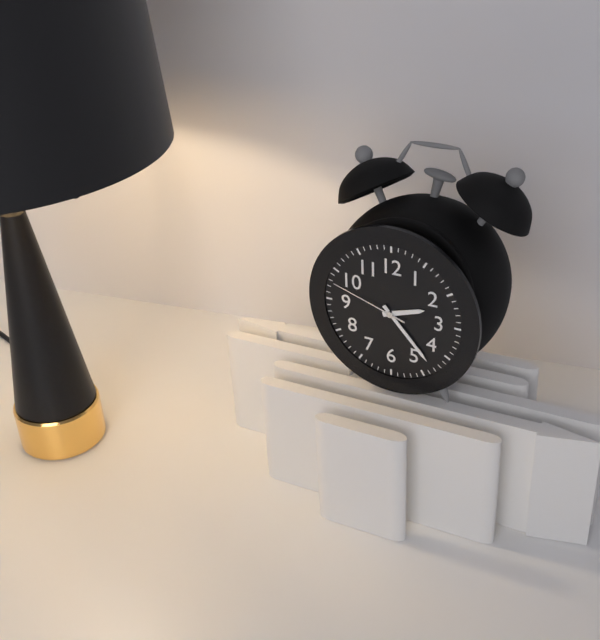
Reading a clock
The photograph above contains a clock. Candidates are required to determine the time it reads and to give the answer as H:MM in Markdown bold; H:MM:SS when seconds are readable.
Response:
**2:23:48**
